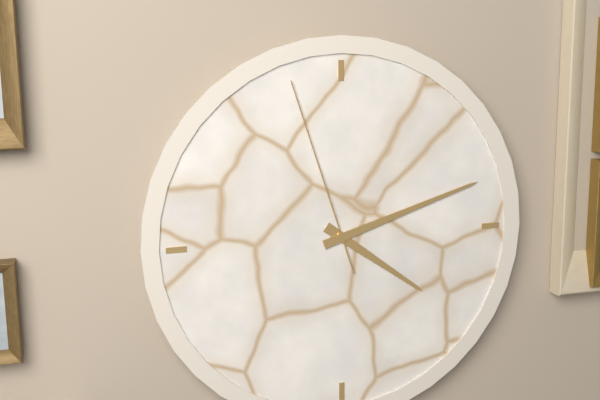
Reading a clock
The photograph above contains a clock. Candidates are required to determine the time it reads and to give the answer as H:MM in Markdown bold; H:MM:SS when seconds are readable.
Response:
**4:12:57**
